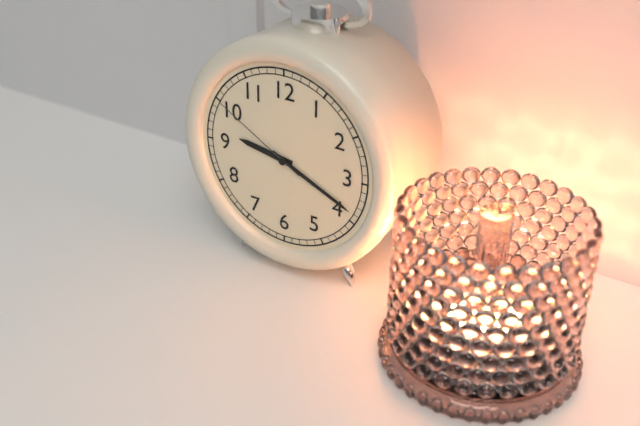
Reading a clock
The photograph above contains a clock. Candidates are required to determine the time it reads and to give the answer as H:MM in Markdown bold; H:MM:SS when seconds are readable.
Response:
**9:19:50**
